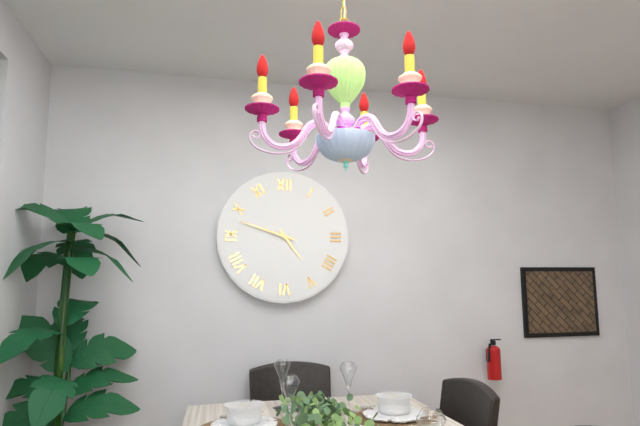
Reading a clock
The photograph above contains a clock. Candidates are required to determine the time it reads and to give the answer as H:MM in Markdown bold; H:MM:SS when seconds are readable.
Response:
**4:48**
